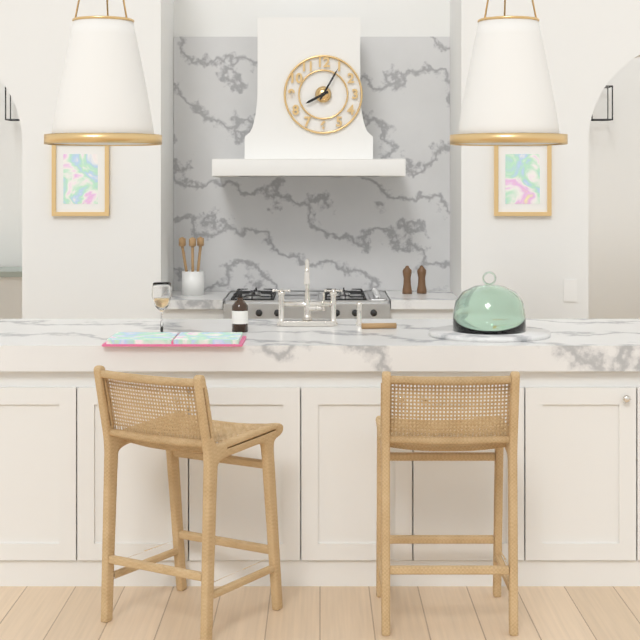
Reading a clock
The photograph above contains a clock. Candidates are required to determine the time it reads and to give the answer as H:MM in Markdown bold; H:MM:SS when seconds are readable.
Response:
**8:05**
